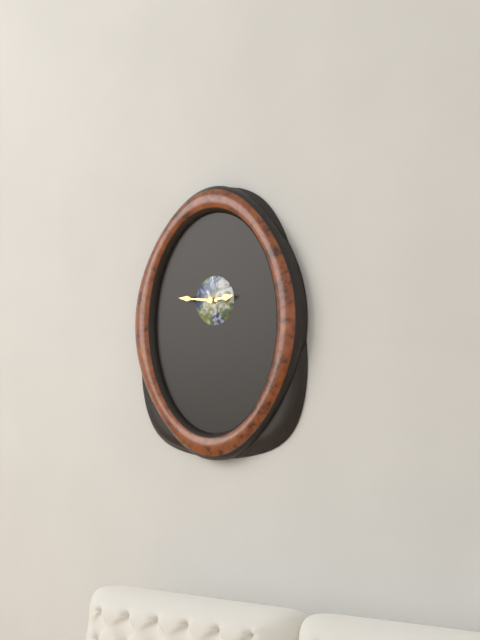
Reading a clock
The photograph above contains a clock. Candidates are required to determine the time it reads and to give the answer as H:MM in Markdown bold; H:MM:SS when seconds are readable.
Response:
**2:46**
